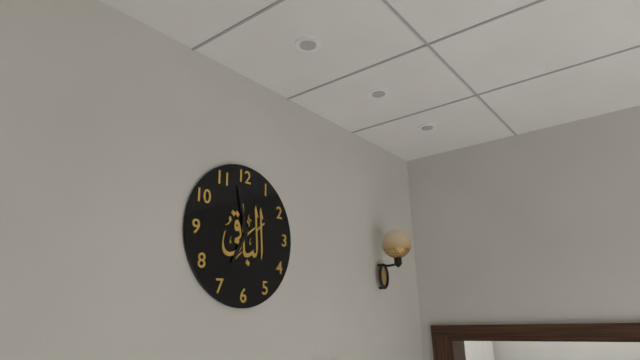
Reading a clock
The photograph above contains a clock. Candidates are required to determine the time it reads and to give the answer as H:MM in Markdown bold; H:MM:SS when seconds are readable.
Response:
**6:58**
